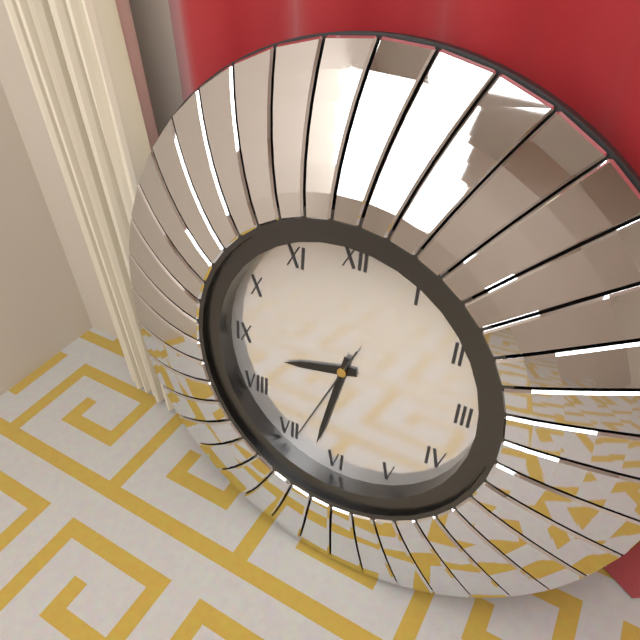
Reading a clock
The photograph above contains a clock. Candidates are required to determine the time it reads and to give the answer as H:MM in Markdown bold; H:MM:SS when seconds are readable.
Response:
**8:32:34**
